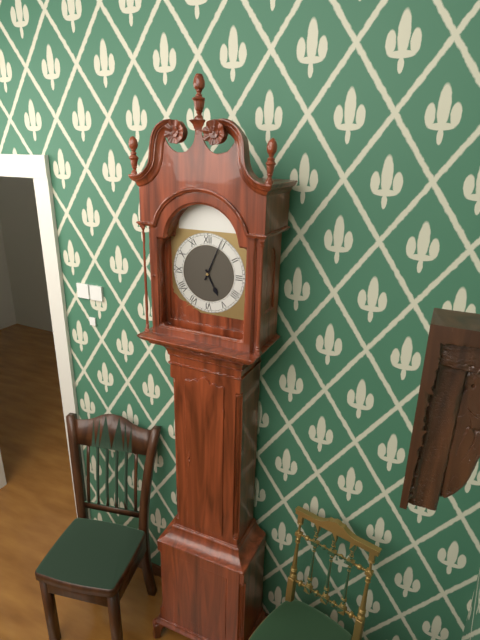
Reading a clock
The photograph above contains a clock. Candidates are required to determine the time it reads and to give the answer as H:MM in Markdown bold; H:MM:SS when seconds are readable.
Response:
**5:04**
